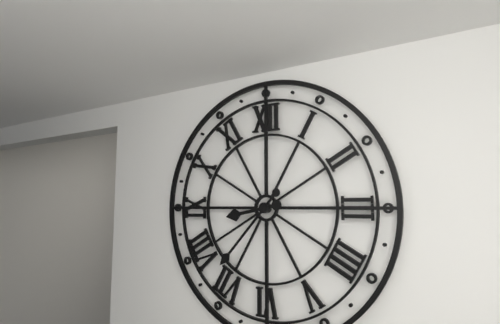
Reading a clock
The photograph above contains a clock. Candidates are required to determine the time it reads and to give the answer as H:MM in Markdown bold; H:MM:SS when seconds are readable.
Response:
**8:37**
